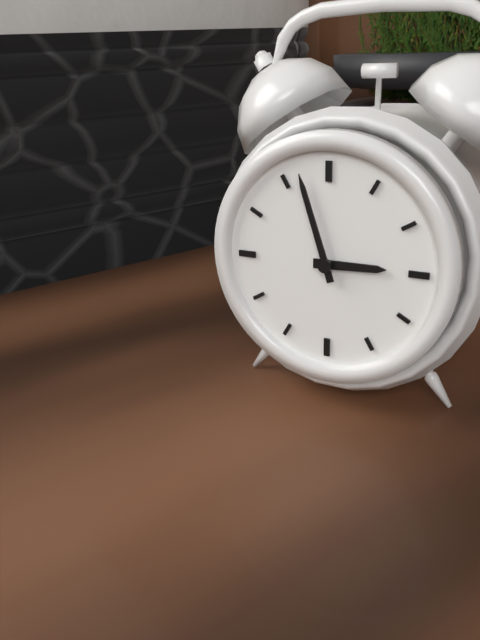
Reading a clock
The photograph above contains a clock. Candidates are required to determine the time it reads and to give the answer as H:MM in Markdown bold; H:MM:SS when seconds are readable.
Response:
**2:57**
